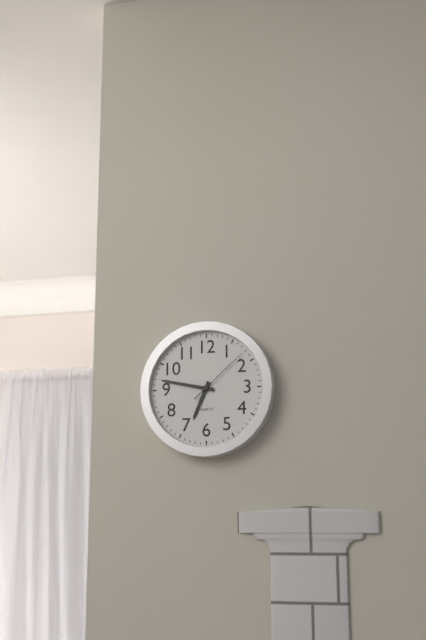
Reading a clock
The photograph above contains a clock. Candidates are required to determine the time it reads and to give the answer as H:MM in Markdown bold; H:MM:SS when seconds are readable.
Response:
**6:47:08**
